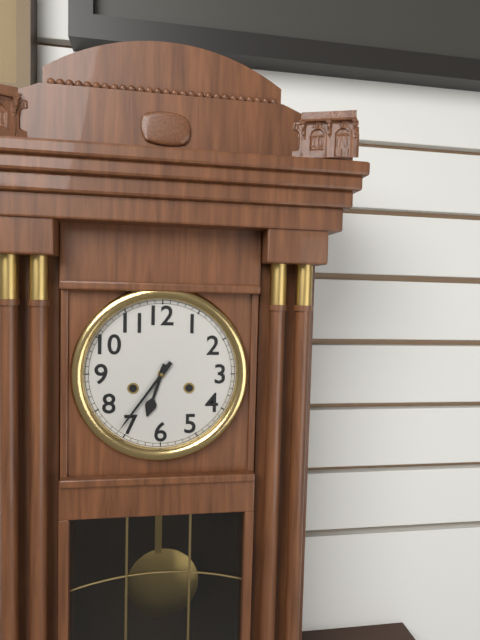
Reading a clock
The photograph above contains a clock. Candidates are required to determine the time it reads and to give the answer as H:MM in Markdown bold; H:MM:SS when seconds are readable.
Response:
**6:36**
